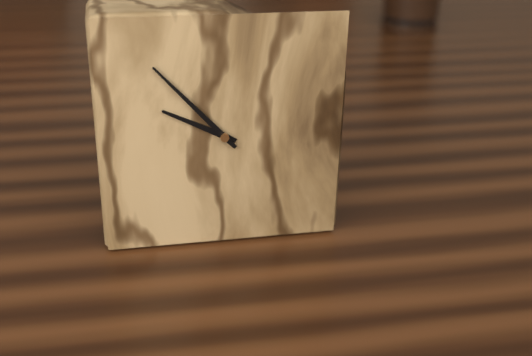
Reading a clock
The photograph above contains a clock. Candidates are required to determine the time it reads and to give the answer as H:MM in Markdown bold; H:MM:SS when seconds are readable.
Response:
**9:53**
